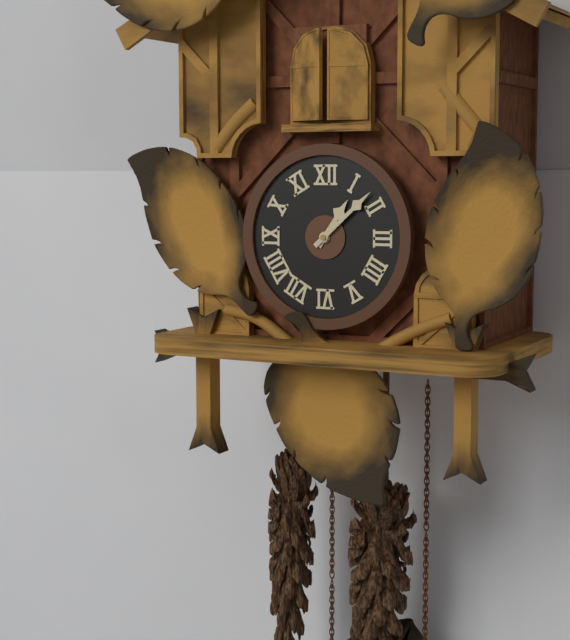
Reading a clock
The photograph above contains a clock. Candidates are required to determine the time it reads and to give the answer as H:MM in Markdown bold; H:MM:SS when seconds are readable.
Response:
**1:08**
